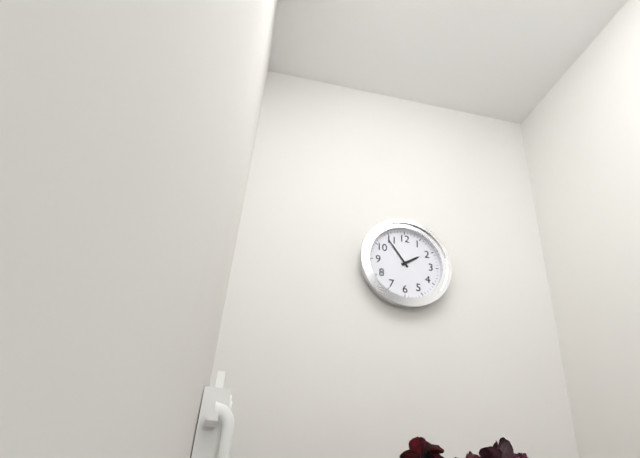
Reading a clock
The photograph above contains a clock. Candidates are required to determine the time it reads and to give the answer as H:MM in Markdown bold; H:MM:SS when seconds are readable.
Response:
**1:54**
